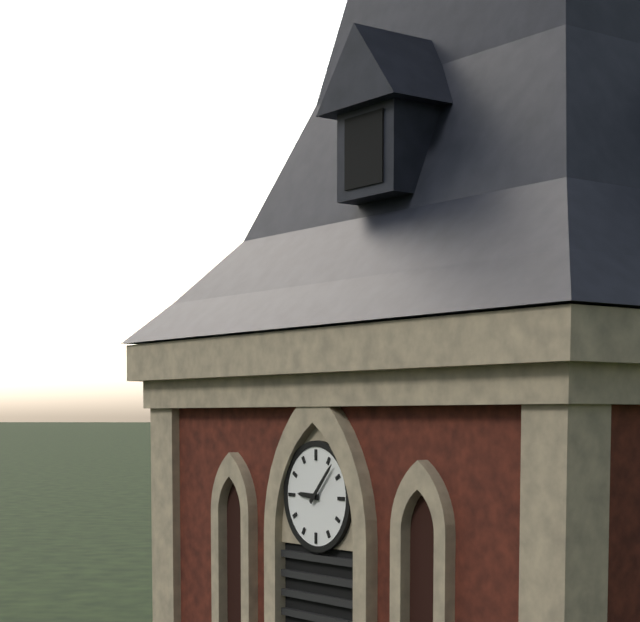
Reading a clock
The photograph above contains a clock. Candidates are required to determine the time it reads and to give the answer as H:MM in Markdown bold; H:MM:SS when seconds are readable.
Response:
**9:07**
